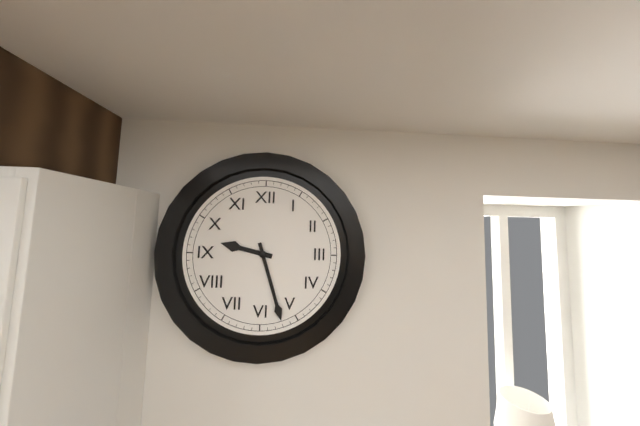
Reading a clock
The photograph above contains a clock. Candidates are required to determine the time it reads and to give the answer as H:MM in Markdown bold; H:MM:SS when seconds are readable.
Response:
**9:27**
